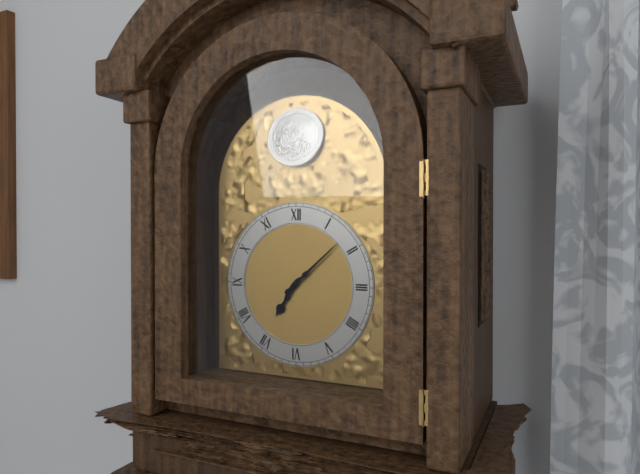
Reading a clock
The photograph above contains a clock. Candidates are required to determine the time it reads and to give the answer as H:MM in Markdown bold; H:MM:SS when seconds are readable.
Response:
**7:08**
